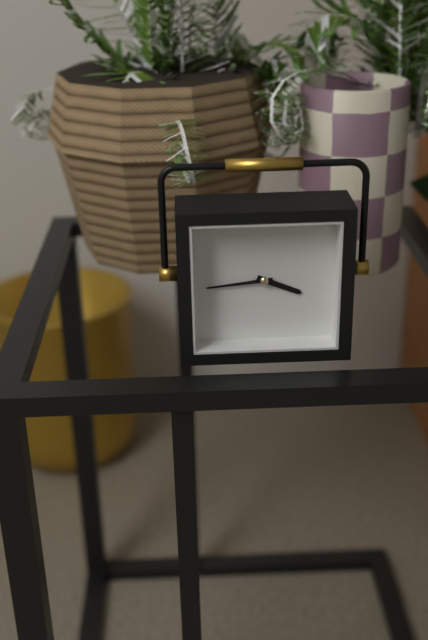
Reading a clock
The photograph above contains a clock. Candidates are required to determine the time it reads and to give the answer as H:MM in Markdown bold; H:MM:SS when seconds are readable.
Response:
**3:44**
